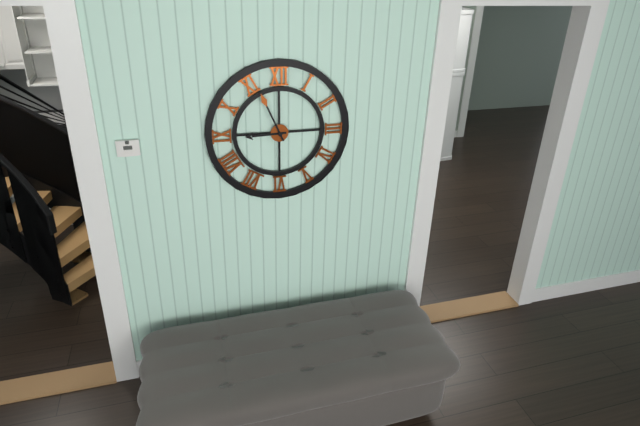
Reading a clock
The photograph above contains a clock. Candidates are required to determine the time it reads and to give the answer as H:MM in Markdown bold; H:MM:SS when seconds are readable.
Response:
**8:56**
